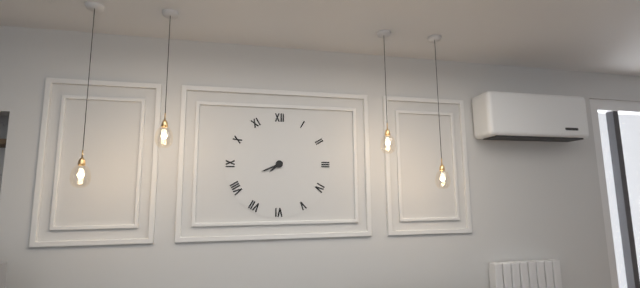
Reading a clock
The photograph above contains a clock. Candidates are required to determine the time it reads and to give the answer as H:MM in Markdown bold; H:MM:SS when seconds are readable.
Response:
**7:41**
